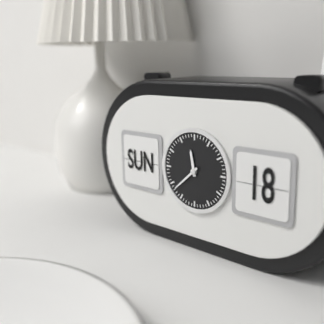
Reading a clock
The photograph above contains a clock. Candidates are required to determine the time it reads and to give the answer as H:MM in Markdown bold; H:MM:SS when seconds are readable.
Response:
**11:38**
